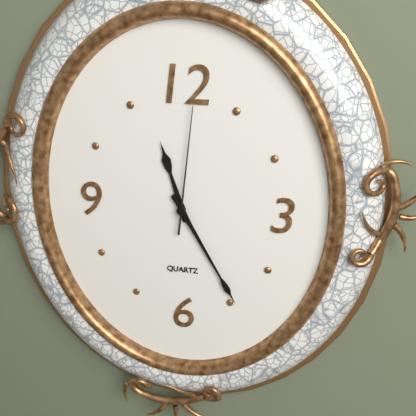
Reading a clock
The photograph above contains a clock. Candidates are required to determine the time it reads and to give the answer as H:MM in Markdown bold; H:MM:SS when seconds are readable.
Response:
**11:25:01**
